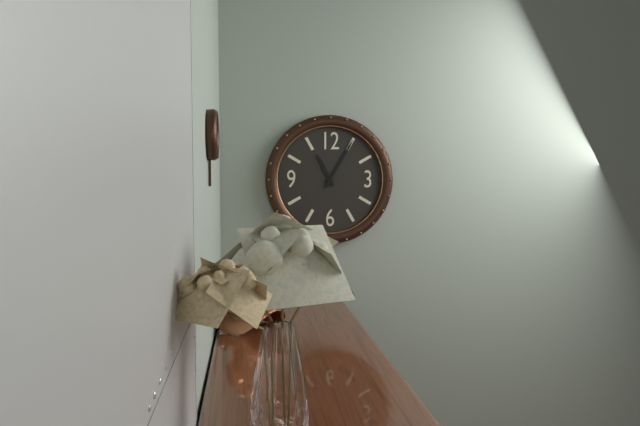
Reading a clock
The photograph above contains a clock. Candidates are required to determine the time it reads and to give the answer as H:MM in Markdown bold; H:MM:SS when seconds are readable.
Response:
**11:05**
